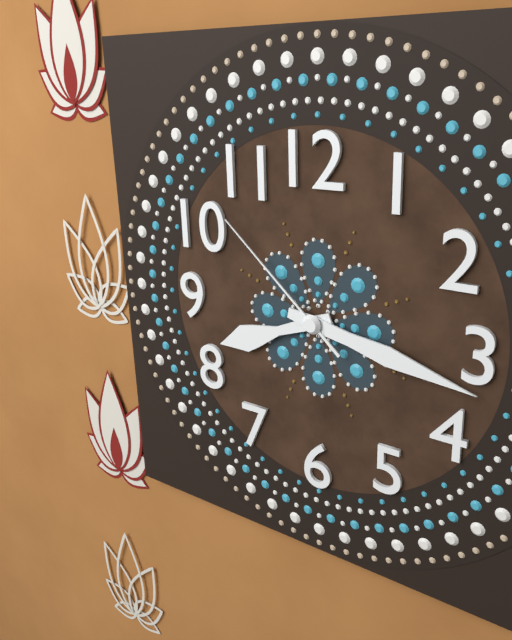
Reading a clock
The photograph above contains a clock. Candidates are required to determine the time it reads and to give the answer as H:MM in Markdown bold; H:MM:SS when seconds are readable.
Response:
**8:17:52**
